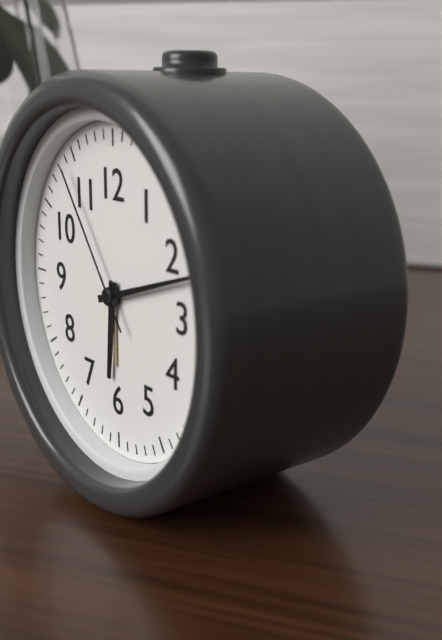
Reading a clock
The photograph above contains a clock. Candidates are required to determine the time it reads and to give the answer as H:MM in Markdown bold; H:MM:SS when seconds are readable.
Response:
**6:12:54**
